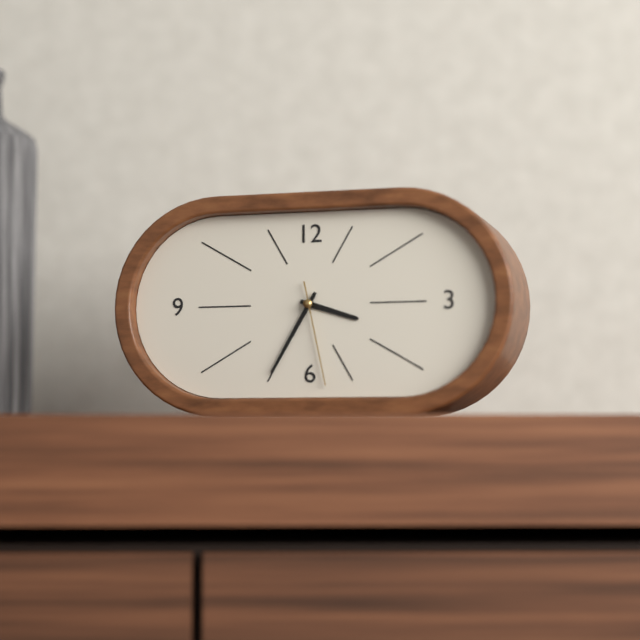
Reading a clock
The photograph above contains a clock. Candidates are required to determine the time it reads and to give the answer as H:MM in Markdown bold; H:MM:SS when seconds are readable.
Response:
**3:35:28**
